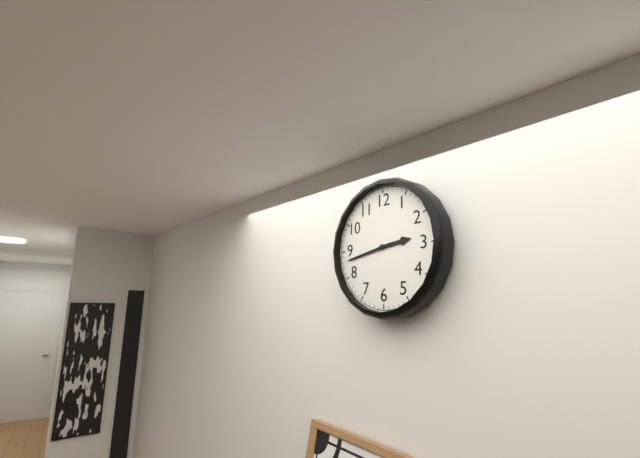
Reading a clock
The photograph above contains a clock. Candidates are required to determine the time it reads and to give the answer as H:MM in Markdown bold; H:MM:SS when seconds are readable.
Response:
**2:43**
